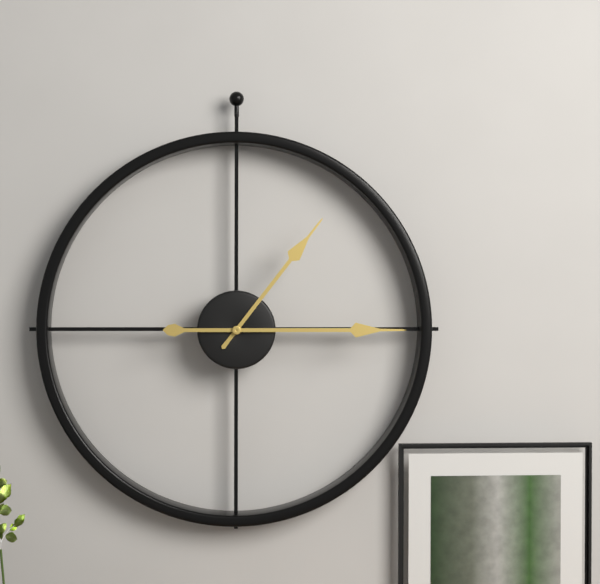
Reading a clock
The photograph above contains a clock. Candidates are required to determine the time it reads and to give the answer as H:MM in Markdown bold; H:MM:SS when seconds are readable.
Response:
**1:15**
